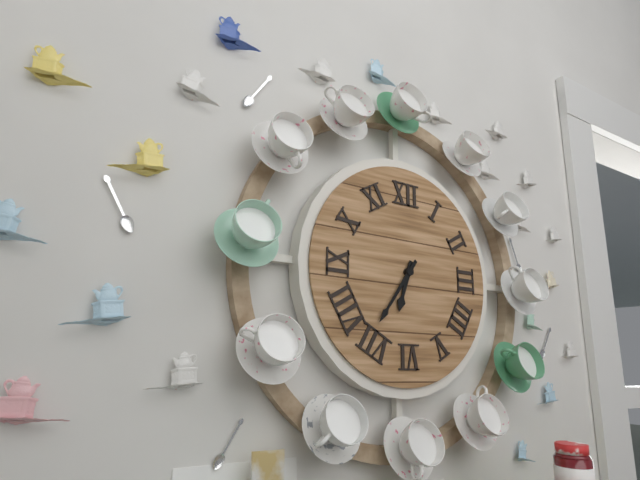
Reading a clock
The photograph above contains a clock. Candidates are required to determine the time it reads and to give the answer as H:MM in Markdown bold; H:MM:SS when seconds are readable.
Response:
**6:36**
